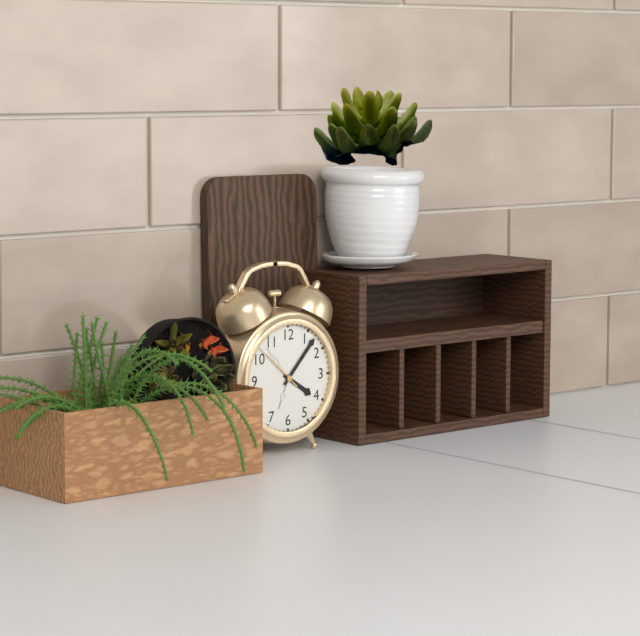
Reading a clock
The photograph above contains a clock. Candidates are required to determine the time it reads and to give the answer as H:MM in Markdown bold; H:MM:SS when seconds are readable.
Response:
**4:07:52**
